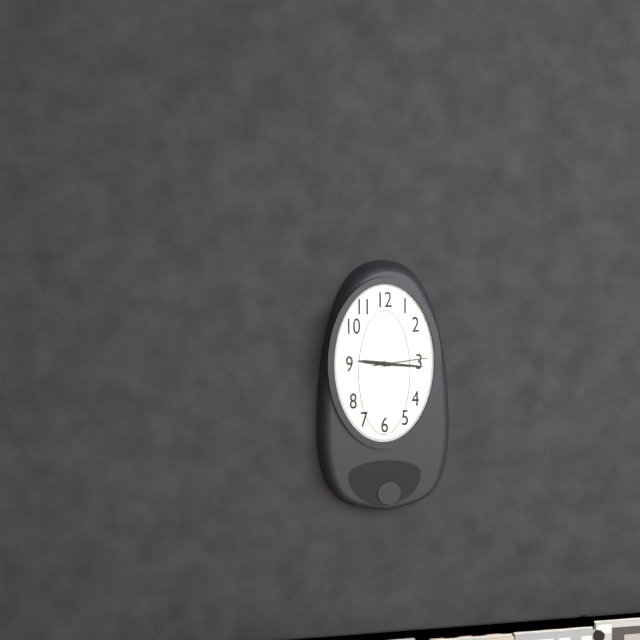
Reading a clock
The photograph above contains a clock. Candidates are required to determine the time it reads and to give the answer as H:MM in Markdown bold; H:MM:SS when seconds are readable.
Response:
**9:16:14**
